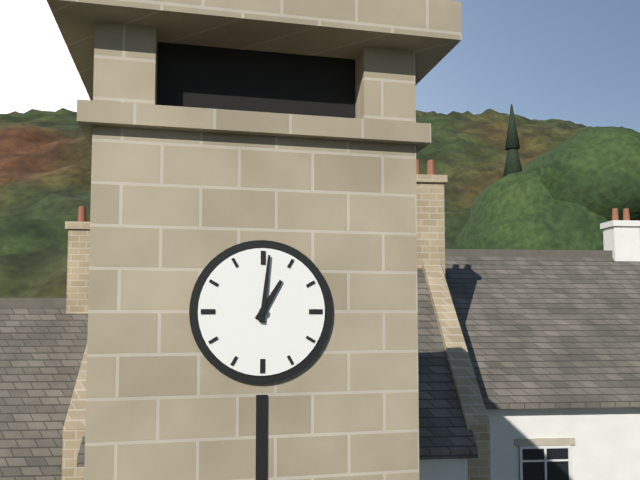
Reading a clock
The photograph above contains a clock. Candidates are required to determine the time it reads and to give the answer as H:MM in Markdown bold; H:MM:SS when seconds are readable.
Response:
**1:01**
